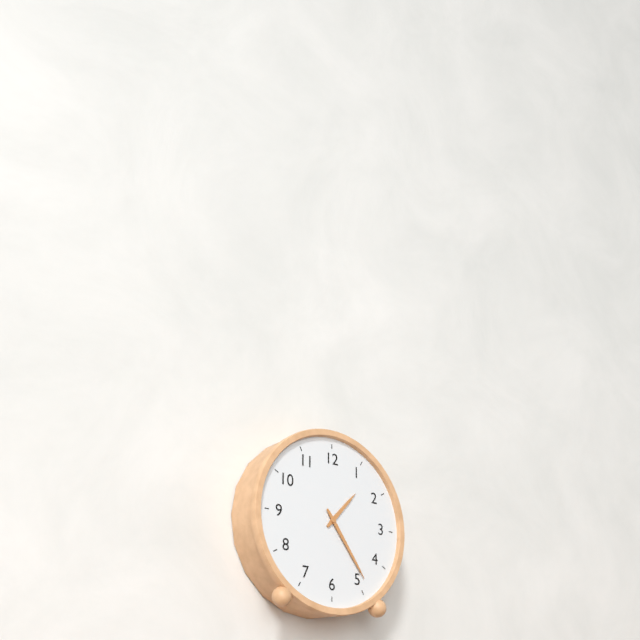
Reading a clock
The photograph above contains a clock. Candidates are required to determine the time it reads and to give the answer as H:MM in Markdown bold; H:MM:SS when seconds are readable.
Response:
**1:24**
